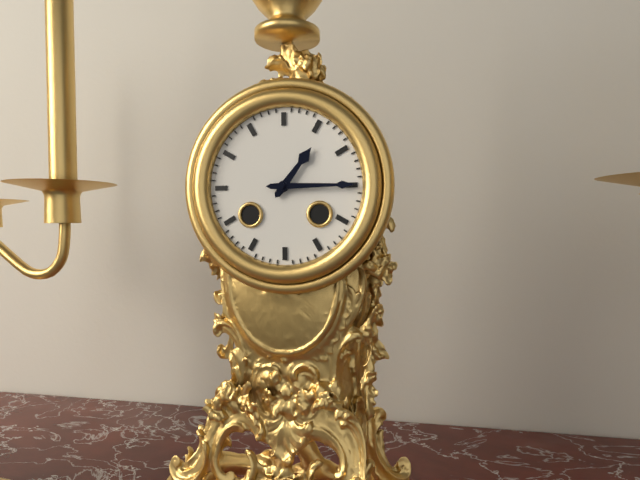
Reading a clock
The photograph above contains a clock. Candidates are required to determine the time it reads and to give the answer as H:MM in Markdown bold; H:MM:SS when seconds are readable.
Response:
**1:15**
